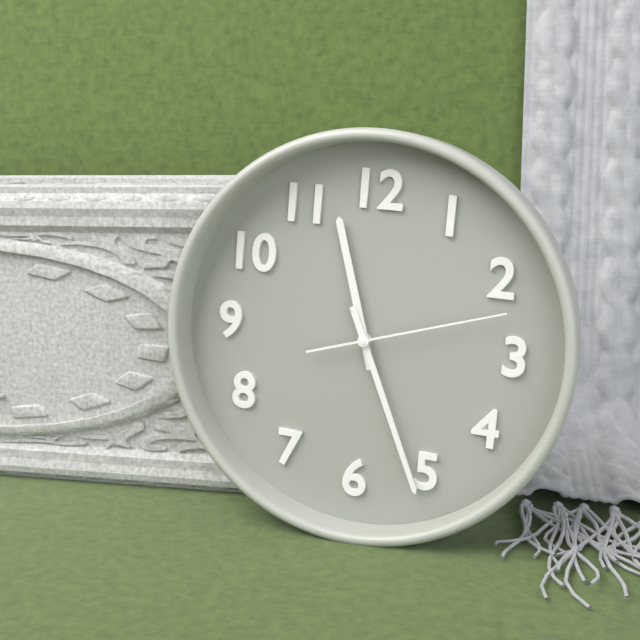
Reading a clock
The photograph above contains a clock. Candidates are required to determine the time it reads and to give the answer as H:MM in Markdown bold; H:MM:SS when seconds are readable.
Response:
**11:26:12**
